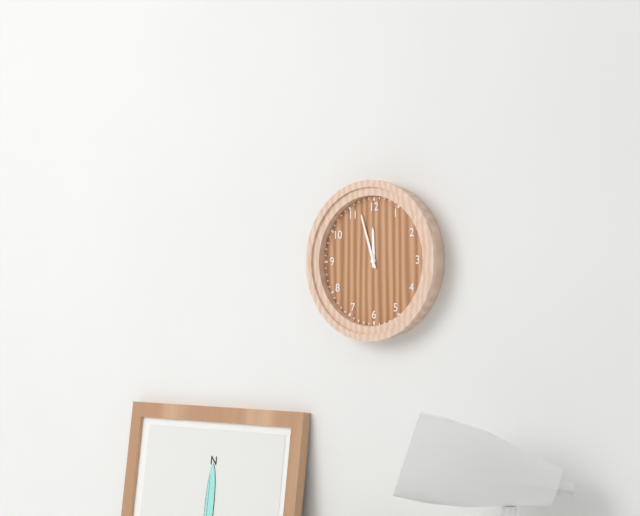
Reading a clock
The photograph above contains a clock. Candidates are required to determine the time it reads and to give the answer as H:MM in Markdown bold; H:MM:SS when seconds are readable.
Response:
**11:57**
